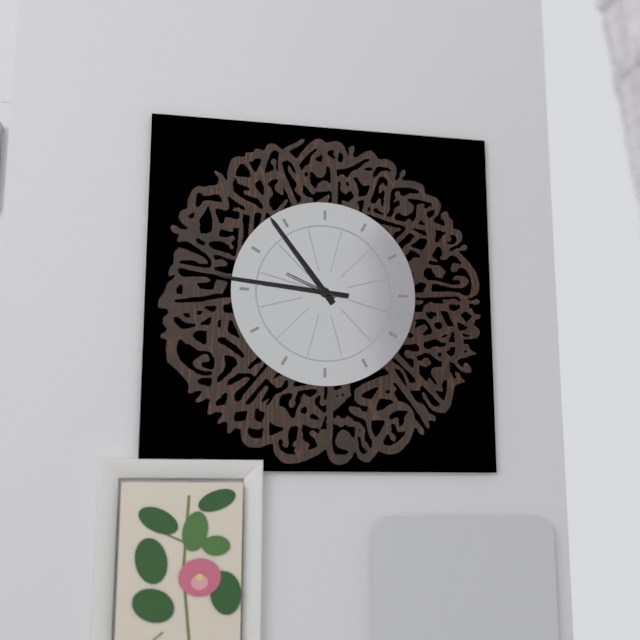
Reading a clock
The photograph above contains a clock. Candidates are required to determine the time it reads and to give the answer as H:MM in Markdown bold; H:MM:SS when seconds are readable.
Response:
**10:46:49**
